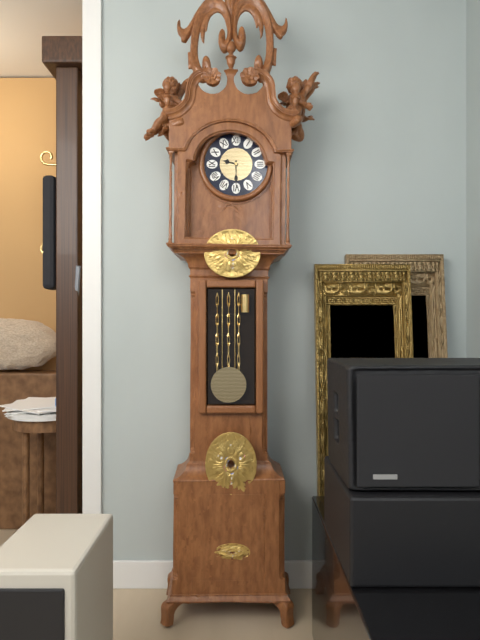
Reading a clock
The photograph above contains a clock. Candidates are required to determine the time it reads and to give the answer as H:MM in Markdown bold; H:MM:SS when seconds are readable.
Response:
**9:30**
